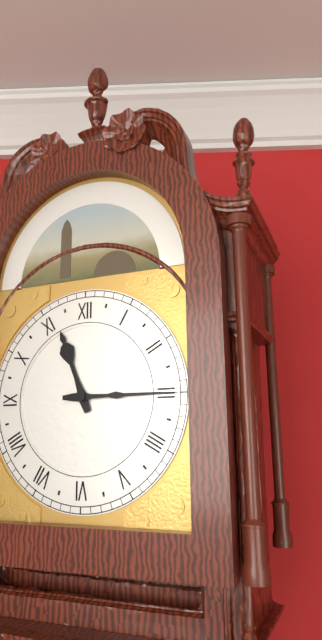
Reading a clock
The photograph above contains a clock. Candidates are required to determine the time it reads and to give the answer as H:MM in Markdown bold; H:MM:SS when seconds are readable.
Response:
**11:15**
